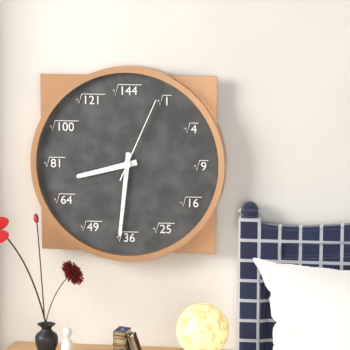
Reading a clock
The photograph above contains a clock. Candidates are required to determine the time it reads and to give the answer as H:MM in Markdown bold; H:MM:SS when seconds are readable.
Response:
**8:31:04**
